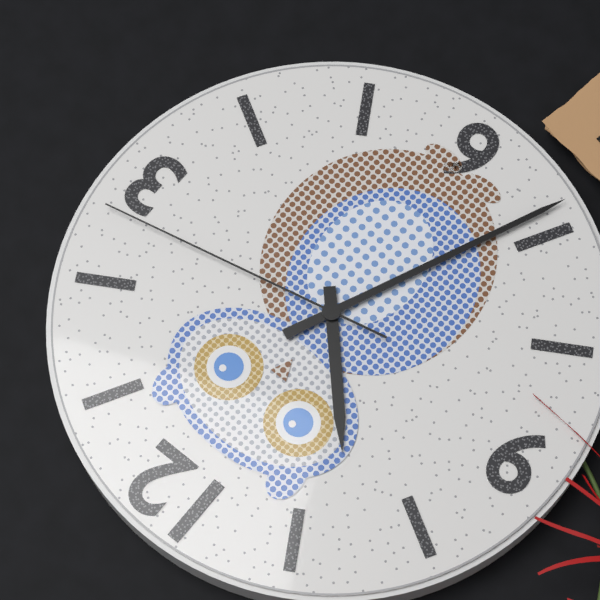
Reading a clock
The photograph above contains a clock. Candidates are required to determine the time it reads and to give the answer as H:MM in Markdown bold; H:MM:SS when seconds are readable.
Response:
**10:34:13**
